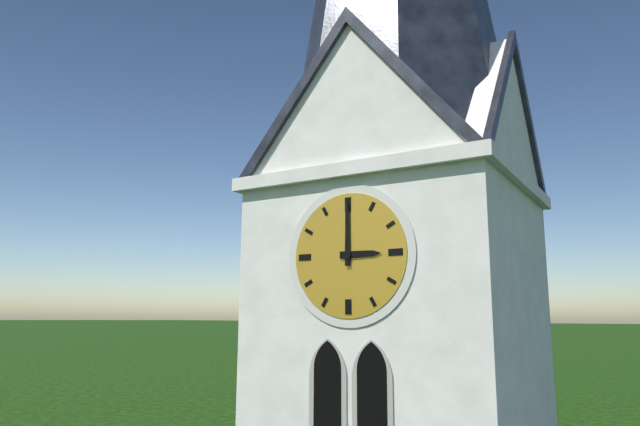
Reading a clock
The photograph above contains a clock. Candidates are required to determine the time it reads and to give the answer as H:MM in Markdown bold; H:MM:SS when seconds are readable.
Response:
**3:00**
